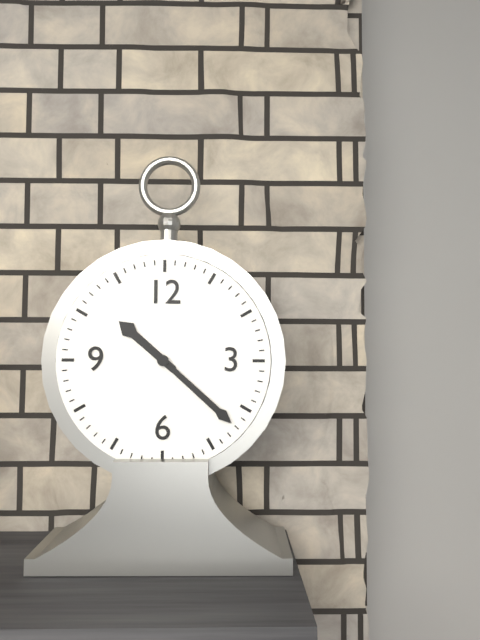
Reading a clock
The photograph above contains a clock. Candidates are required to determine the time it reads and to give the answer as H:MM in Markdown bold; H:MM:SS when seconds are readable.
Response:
**10:22**
